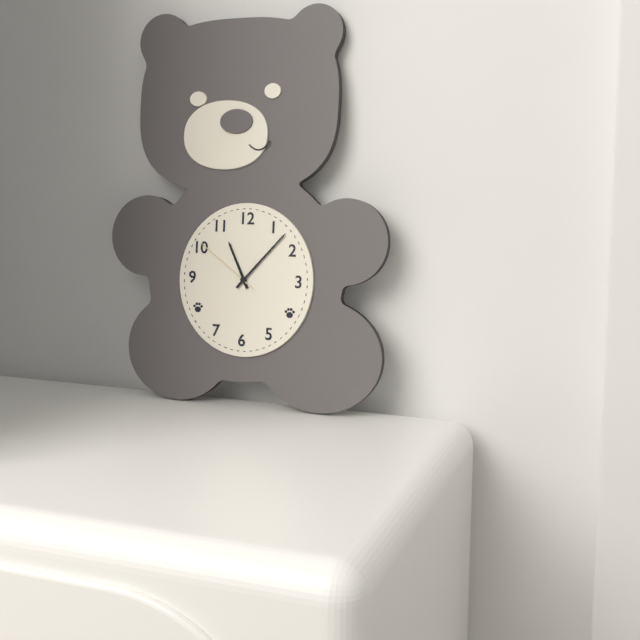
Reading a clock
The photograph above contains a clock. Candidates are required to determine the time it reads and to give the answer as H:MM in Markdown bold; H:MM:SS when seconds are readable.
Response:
**11:07:51**
